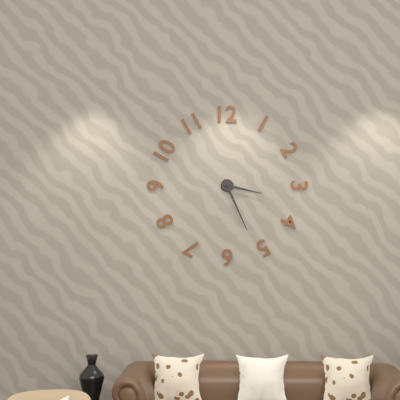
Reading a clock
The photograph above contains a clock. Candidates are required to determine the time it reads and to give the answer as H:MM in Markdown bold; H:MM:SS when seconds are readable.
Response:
**3:26**
